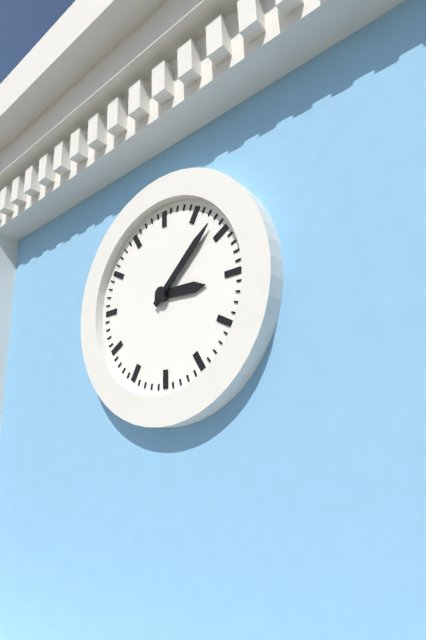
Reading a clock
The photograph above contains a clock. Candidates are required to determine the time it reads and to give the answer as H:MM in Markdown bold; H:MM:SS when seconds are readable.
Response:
**3:08**
